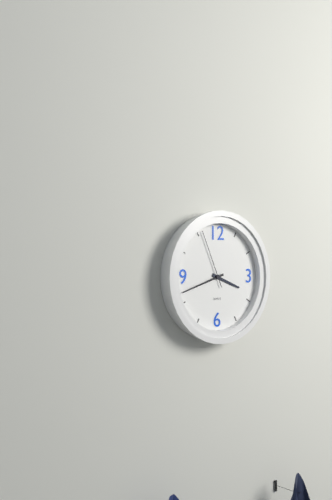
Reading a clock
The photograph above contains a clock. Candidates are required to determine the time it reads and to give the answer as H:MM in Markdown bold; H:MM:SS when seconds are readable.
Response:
**3:42:56**
